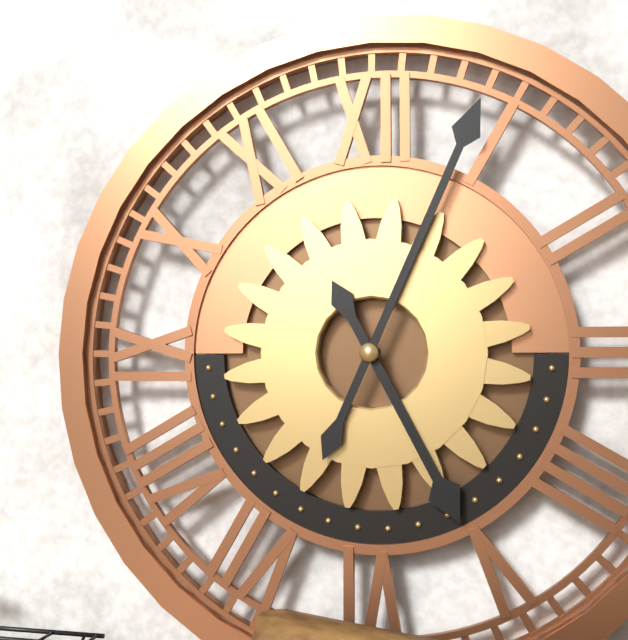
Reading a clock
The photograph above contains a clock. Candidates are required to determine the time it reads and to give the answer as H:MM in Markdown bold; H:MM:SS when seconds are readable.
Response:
**5:04**
